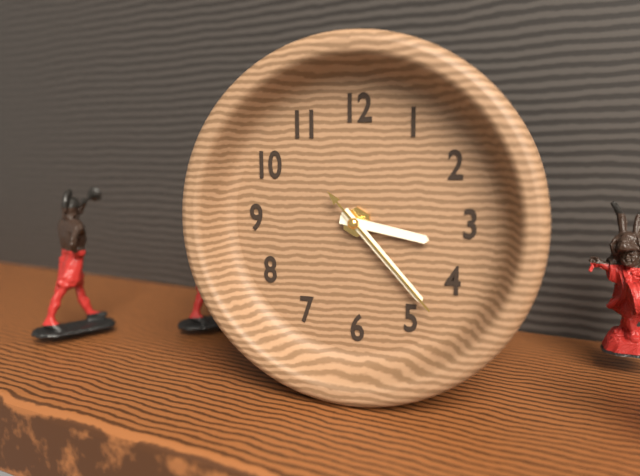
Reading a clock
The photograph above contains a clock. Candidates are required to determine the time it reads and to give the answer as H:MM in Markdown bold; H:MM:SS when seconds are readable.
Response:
**3:23:23**
